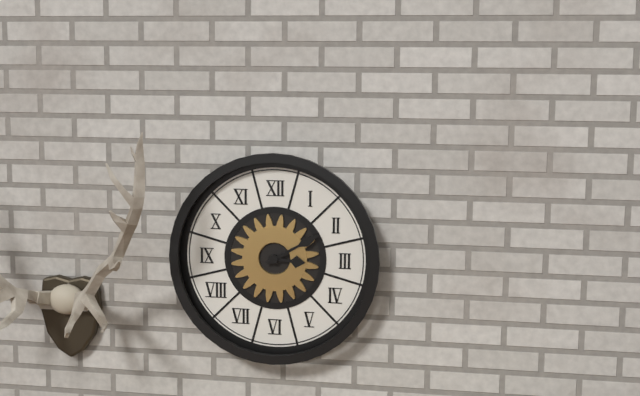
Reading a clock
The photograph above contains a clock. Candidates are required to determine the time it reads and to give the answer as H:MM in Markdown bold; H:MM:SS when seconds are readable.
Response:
**3:10**
